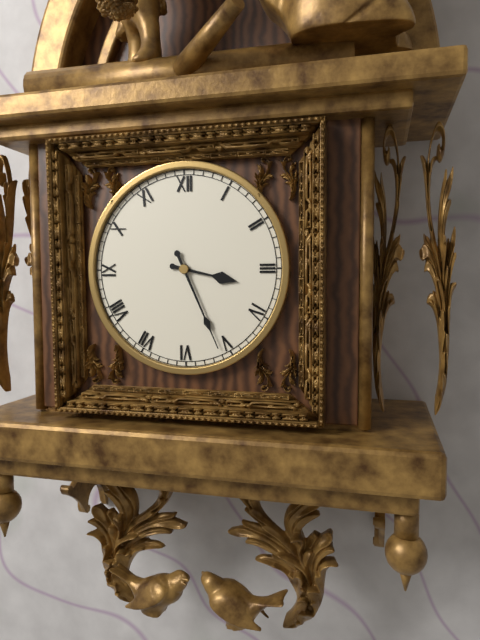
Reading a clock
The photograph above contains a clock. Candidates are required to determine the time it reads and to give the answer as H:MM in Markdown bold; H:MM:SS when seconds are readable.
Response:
**3:26**
